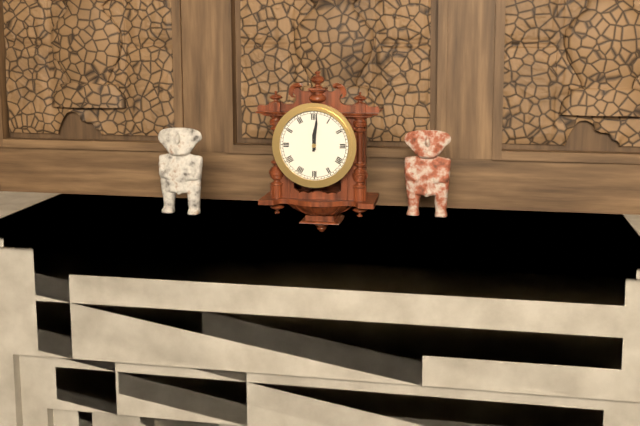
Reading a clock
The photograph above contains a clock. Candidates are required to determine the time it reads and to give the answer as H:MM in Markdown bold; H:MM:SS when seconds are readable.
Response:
**12:01**
